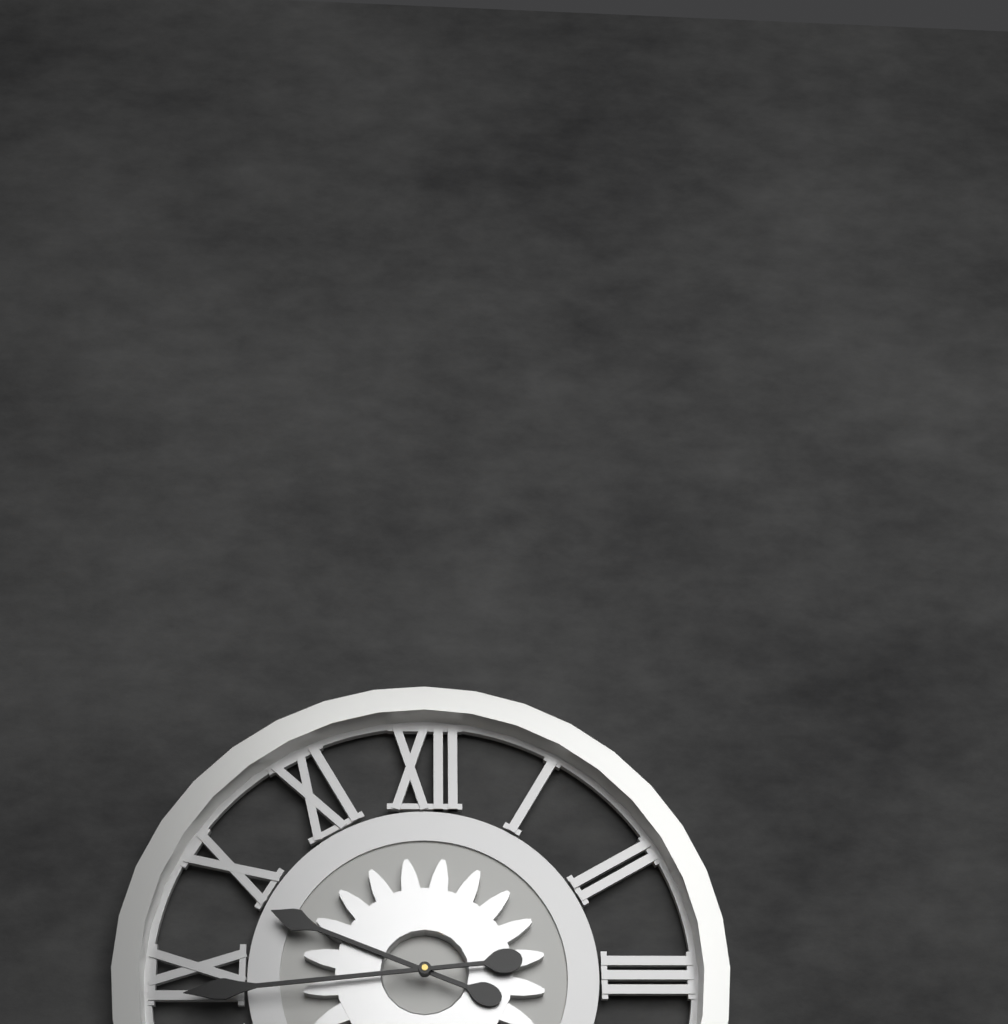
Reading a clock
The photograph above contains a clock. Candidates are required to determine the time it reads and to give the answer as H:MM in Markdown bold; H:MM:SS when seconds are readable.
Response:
**9:44**
